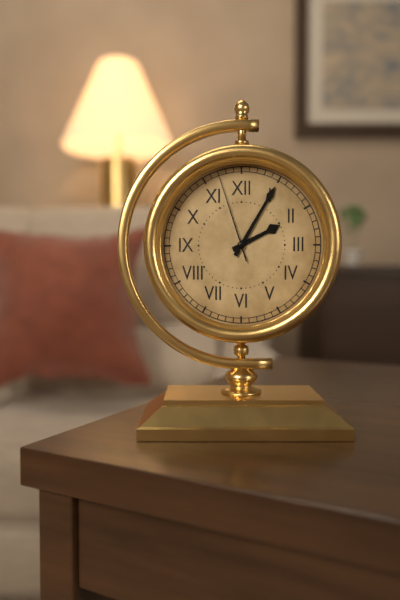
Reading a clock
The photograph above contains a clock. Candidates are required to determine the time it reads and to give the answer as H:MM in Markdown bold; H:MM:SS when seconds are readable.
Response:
**2:05:57**
